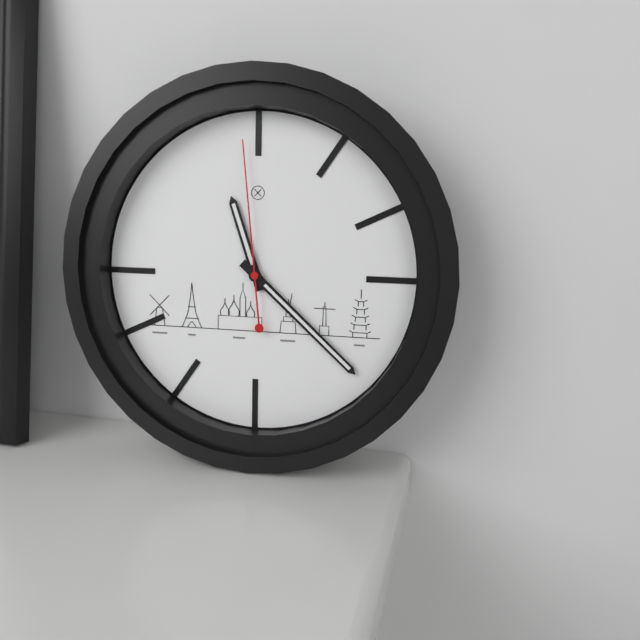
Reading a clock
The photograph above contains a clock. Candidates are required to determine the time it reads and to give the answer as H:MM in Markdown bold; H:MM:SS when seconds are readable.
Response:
**11:22:59**
